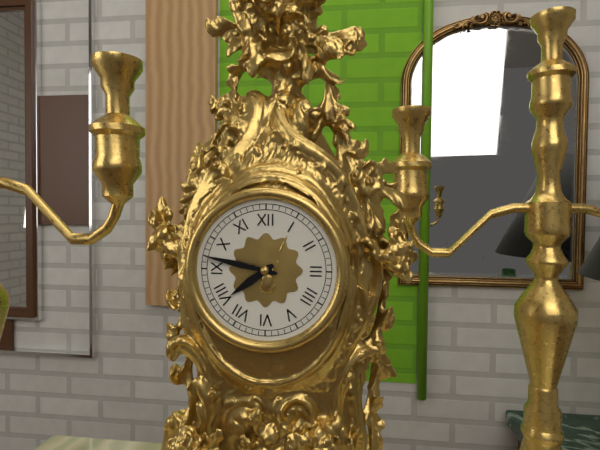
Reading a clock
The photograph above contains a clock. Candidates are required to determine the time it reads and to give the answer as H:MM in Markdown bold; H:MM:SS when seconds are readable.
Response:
**7:47**
